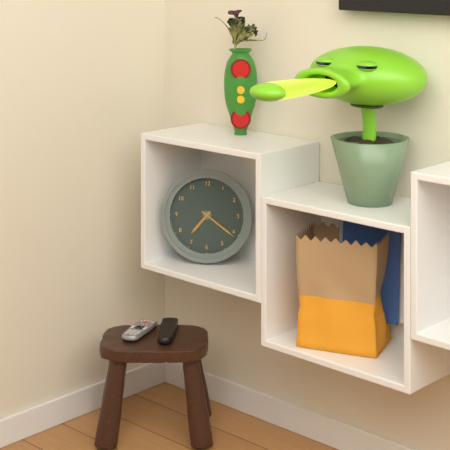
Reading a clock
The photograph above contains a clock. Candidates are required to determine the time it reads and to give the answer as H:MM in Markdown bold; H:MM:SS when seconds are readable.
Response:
**7:21**
